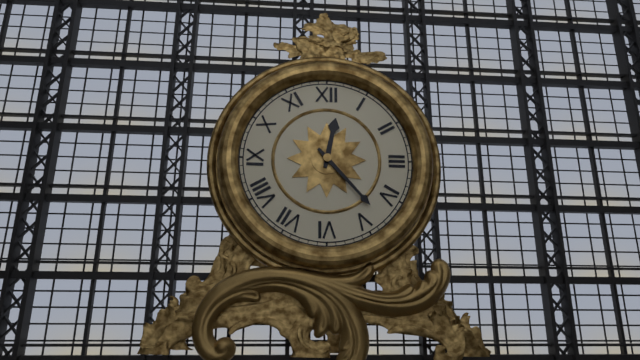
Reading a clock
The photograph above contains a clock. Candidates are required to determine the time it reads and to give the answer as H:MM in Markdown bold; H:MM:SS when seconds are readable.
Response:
**12:23**
